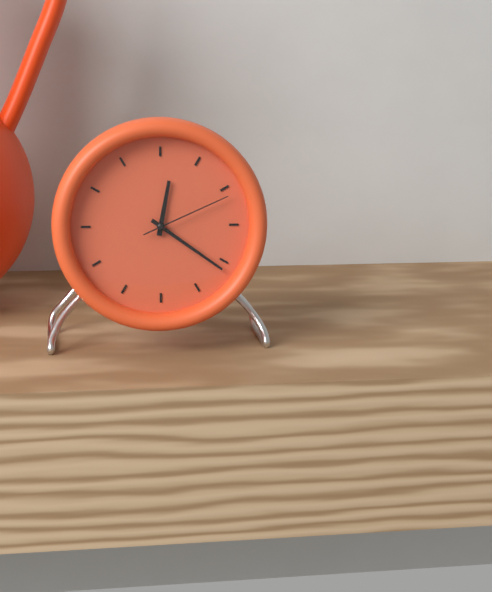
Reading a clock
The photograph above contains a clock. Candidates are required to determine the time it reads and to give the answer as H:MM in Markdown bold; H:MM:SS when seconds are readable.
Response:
**12:21:11**
